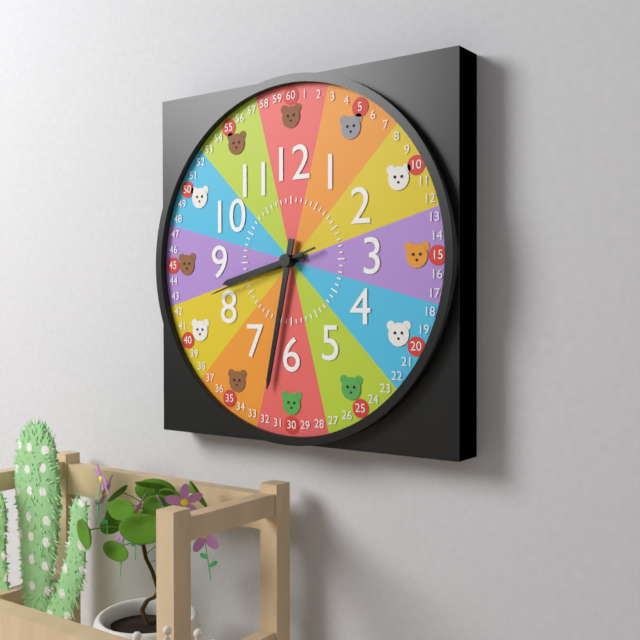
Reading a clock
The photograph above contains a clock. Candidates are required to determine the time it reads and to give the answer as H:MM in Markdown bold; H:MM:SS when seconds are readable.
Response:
**8:32:42**
